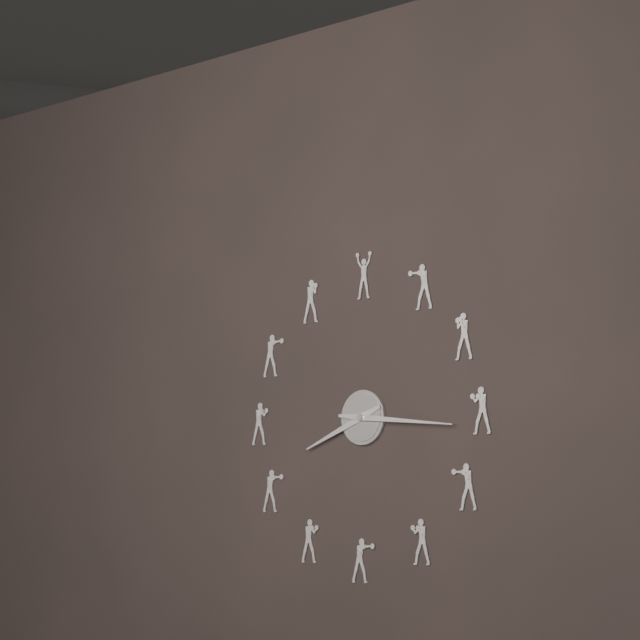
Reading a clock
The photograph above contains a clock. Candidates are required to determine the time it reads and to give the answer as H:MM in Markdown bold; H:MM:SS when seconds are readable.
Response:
**8:16**
